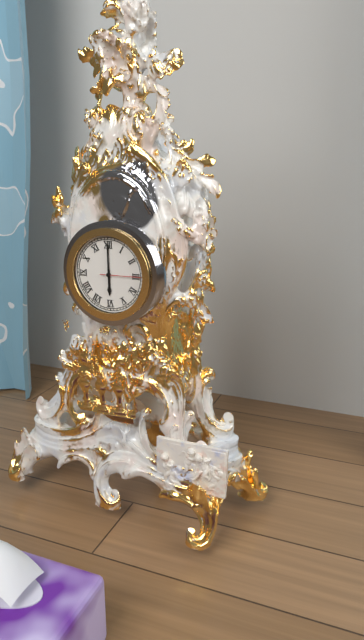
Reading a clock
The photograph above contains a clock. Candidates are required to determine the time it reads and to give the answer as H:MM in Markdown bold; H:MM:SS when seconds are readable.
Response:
**6:00**
